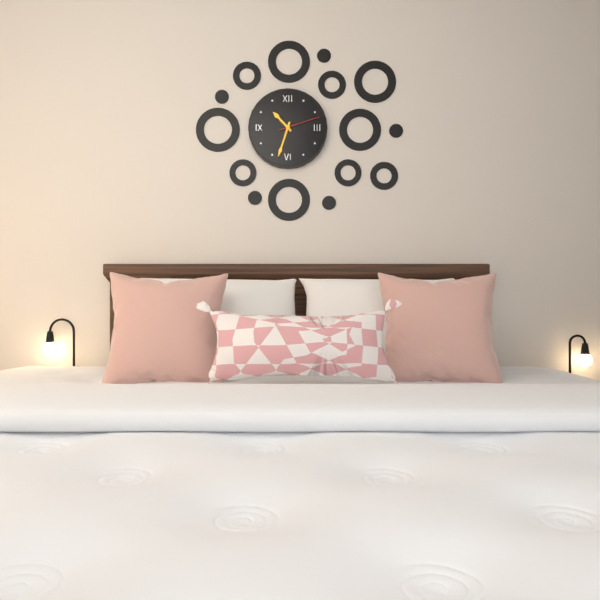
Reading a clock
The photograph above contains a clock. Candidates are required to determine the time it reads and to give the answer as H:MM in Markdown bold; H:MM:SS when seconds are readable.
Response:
**10:33**
